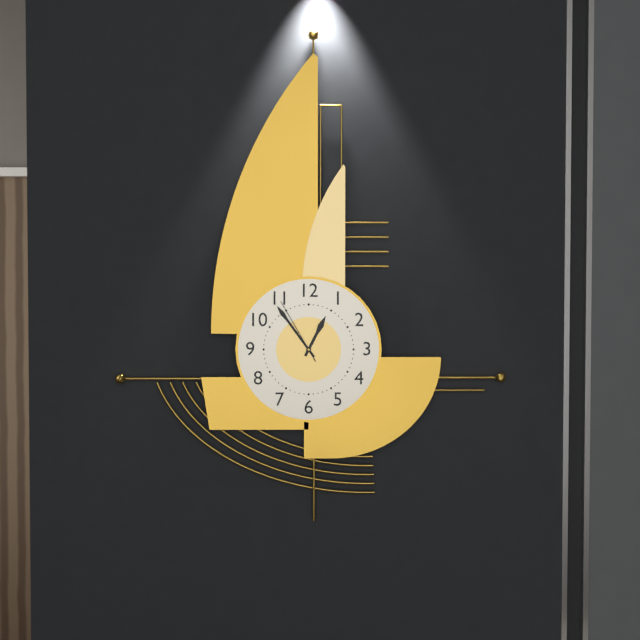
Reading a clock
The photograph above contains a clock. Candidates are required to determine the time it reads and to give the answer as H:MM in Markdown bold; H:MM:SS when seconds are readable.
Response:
**12:54:55**
